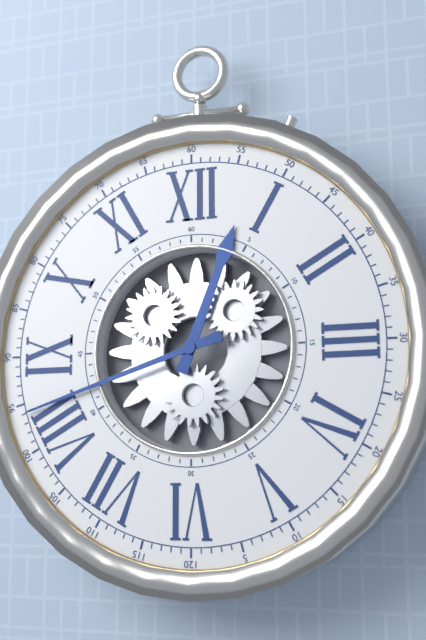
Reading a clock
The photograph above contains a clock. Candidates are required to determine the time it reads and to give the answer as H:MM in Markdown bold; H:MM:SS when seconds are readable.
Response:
**12:42**
